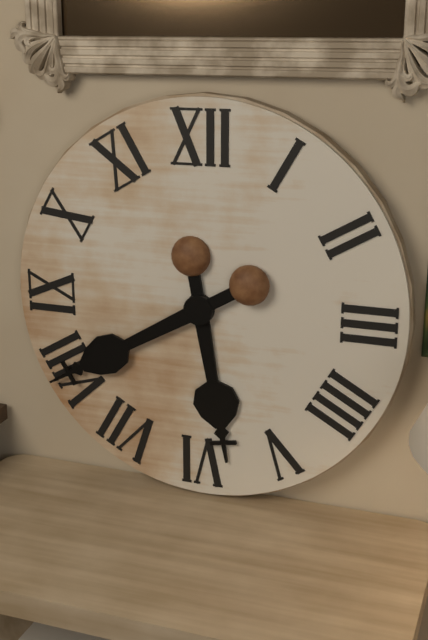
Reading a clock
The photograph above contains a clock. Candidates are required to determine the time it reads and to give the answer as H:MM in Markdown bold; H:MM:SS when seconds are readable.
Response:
**5:40**
